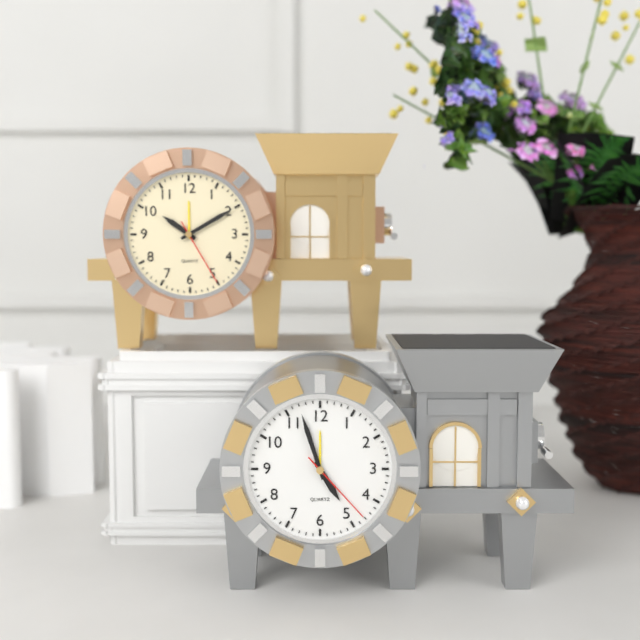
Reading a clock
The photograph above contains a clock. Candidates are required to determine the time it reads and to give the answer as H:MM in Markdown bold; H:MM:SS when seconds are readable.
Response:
**4:57:23**
